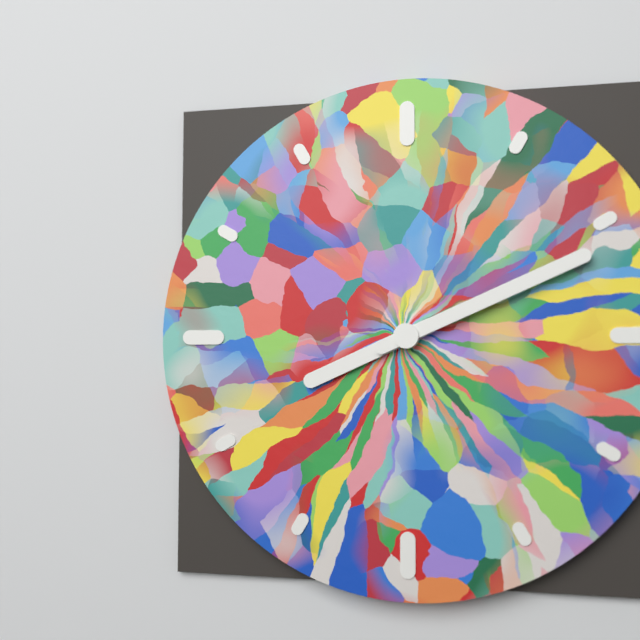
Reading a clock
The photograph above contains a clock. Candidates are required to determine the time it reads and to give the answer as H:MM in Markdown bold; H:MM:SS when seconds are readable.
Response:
**8:11**
